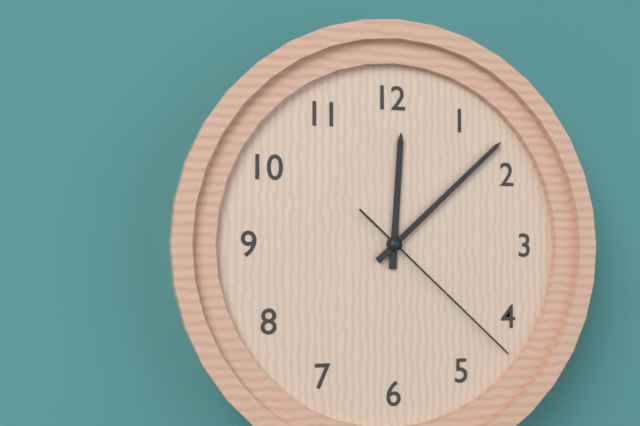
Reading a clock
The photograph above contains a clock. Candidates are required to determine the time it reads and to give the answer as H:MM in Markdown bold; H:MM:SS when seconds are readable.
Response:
**12:08:22**
